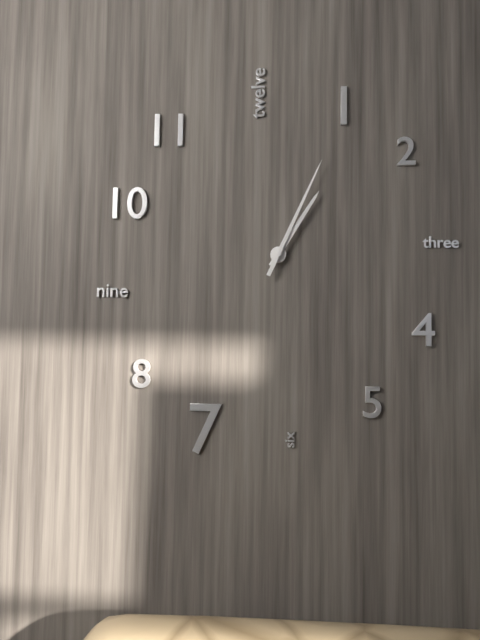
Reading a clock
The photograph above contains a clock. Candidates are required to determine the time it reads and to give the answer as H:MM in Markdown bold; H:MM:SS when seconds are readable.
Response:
**1:04**
